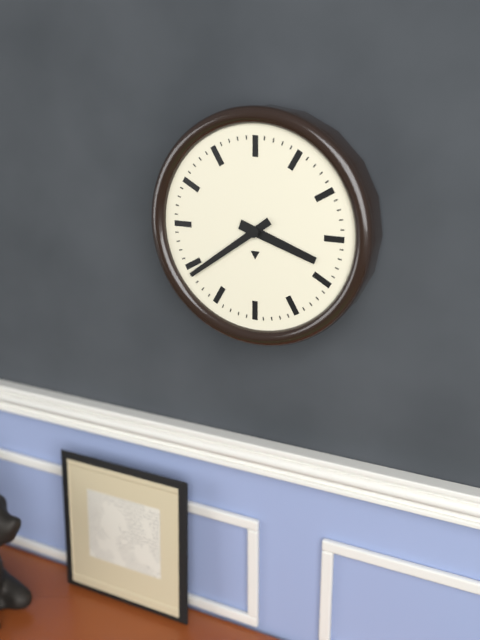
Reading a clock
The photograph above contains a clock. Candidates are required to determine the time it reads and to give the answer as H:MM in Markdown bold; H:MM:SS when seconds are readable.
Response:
**3:39**
